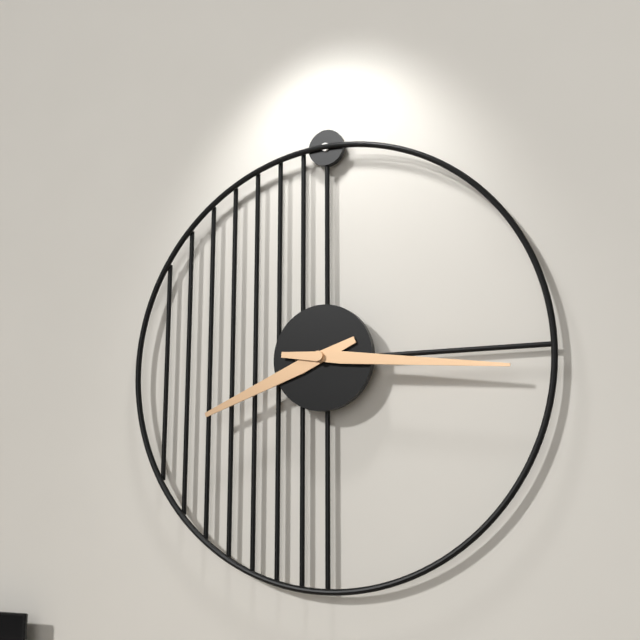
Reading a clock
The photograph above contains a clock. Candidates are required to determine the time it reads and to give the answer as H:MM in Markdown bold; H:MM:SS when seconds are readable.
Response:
**8:16**
